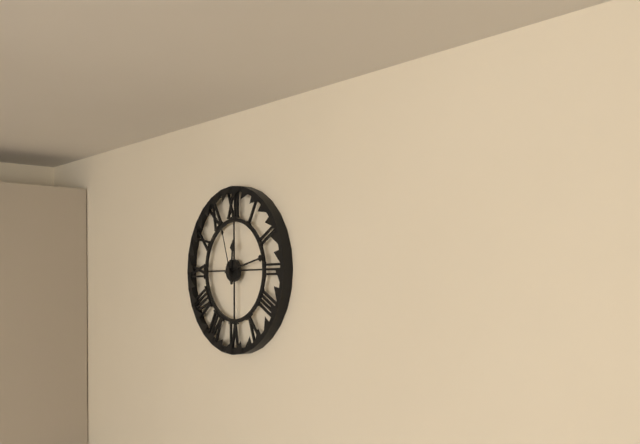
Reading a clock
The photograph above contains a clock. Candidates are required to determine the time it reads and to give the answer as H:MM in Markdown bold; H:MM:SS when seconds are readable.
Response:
**12:13:57**
